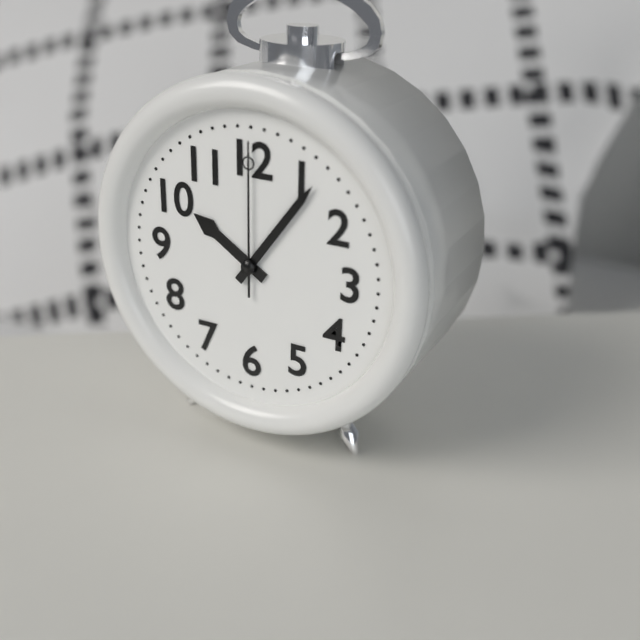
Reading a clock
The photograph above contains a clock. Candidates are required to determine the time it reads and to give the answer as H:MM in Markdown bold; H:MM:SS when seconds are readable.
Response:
**10:06:00**
